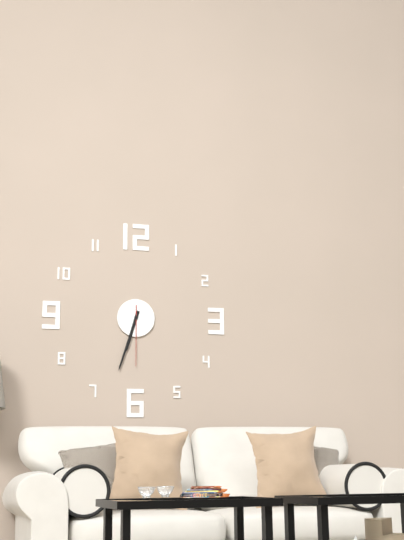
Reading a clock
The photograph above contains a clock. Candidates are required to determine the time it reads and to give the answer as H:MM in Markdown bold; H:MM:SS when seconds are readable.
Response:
**6:33:30**
